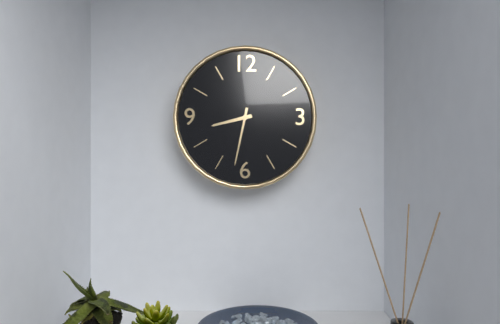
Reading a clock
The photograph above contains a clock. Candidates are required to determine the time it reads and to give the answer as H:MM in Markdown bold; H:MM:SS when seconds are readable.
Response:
**8:32**
